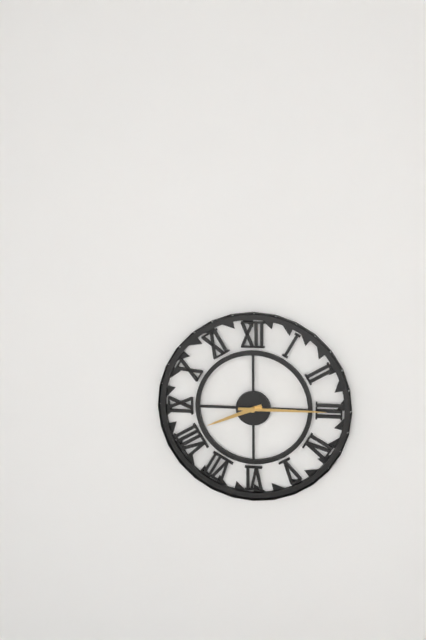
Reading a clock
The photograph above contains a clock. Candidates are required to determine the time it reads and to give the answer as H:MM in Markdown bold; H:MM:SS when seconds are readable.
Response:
**8:15**
